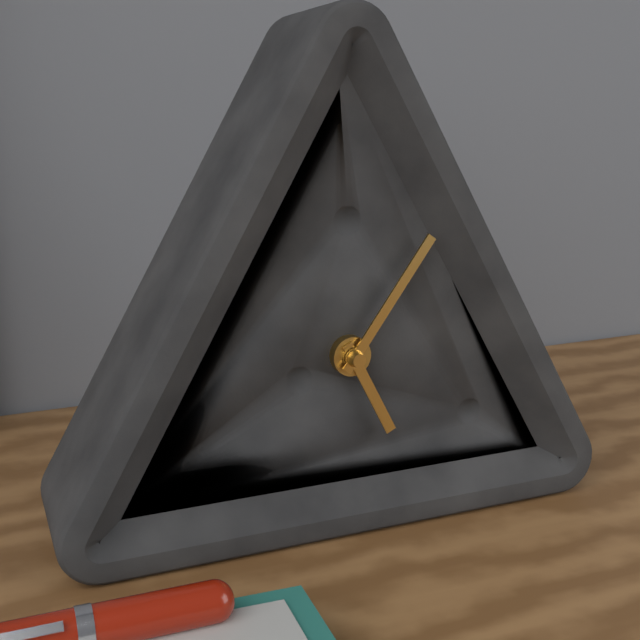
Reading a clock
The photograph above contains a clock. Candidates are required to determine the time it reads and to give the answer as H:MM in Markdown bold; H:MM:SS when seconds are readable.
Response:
**5:06**
